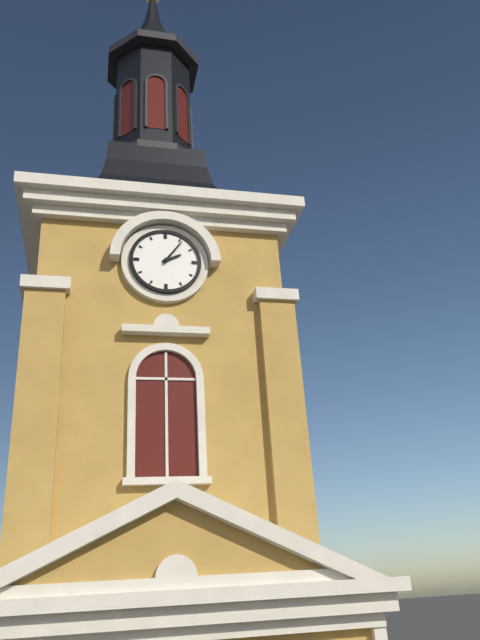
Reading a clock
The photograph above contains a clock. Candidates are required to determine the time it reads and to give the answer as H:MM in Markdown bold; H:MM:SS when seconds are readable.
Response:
**2:06**
